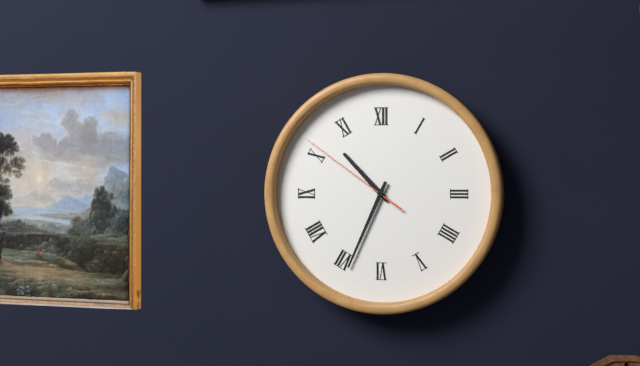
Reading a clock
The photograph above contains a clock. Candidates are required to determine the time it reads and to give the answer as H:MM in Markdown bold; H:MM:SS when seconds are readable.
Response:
**10:34:51**
